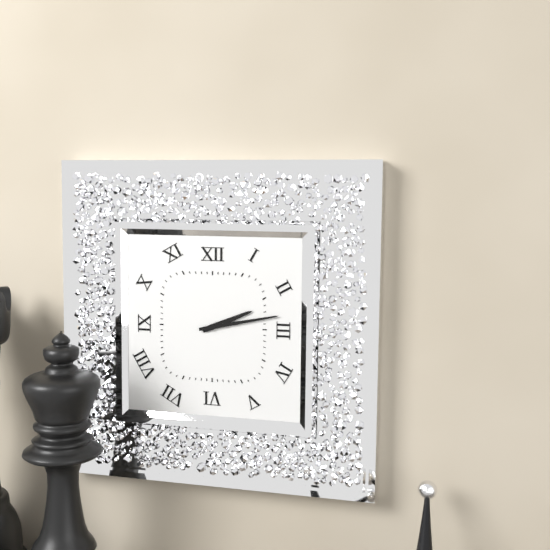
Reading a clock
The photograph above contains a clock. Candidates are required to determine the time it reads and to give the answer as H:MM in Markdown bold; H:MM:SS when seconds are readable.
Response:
**2:13**
